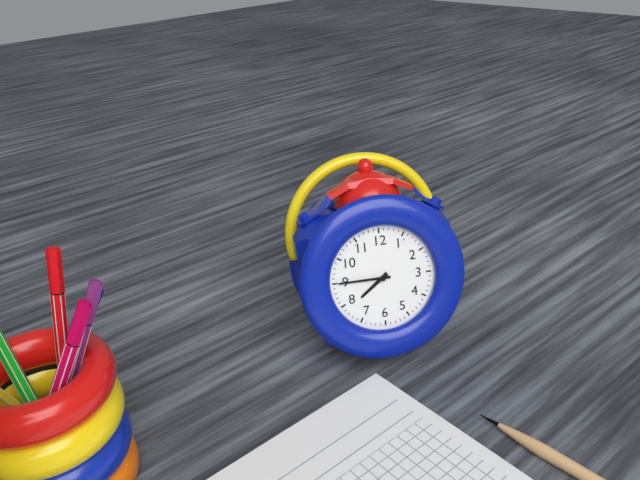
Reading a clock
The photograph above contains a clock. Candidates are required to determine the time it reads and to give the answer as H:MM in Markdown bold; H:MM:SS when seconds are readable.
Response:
**7:45**
